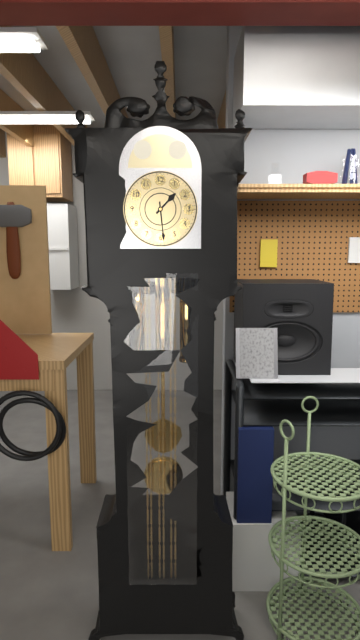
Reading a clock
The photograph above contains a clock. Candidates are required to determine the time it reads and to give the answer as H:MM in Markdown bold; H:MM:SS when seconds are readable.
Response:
**1:29**
